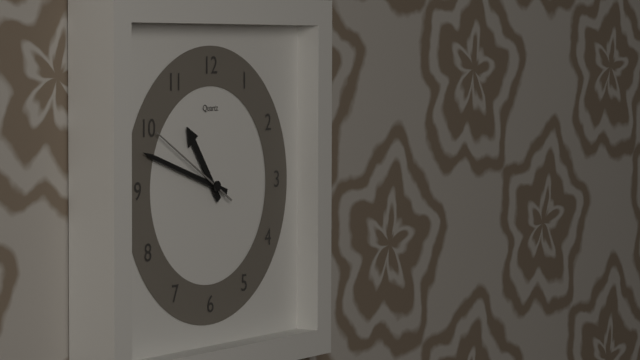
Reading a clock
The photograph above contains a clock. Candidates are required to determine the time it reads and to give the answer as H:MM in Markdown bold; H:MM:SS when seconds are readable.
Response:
**10:48:50**
